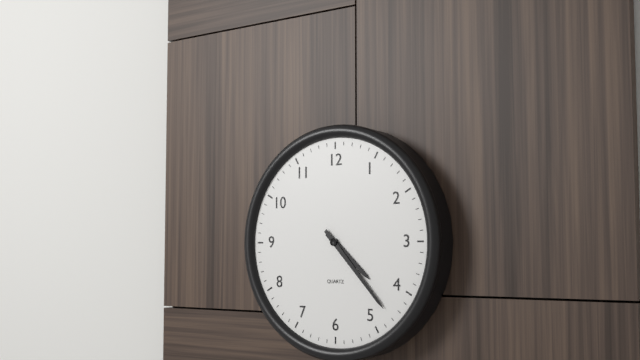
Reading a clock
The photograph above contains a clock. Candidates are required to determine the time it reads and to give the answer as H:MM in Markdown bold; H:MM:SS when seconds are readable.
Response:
**4:23**
